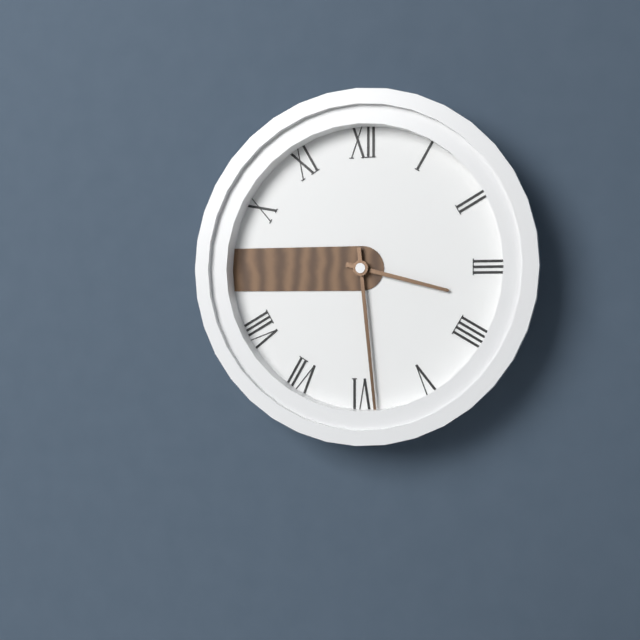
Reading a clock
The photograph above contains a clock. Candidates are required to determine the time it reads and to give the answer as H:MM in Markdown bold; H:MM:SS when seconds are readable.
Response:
**3:29**
